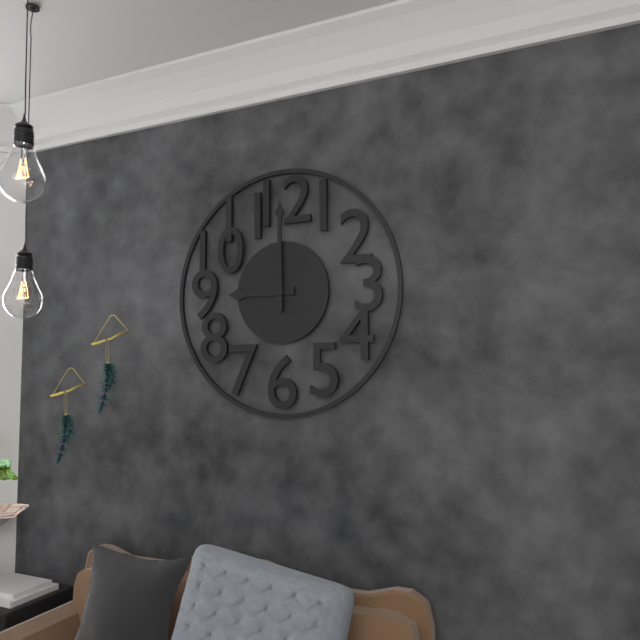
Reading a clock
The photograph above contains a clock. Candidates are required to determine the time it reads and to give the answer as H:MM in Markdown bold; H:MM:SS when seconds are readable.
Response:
**9:00**
